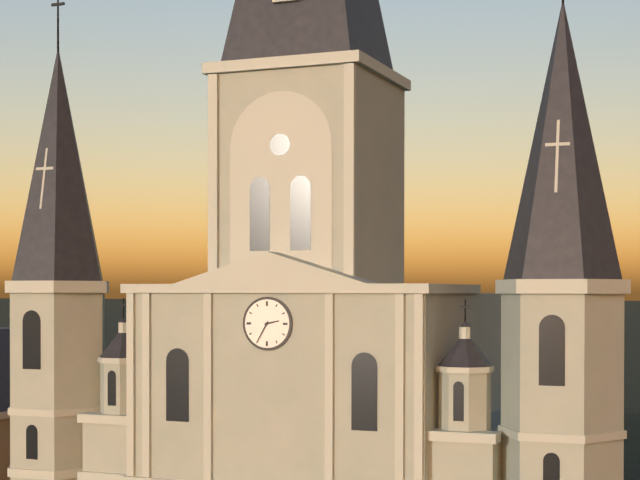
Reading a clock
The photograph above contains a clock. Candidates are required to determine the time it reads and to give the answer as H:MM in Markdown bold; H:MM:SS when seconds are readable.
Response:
**2:35**
